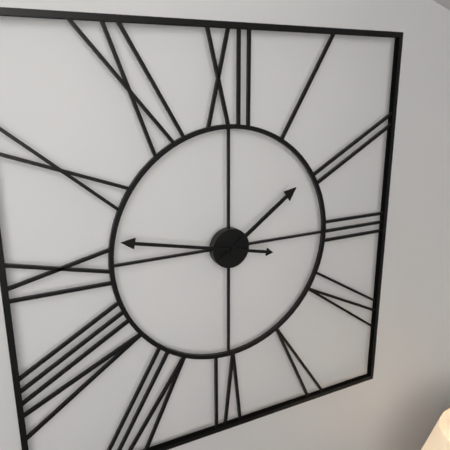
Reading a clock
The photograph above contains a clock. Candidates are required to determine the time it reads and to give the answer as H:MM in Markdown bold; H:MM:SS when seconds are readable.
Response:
**1:47**
